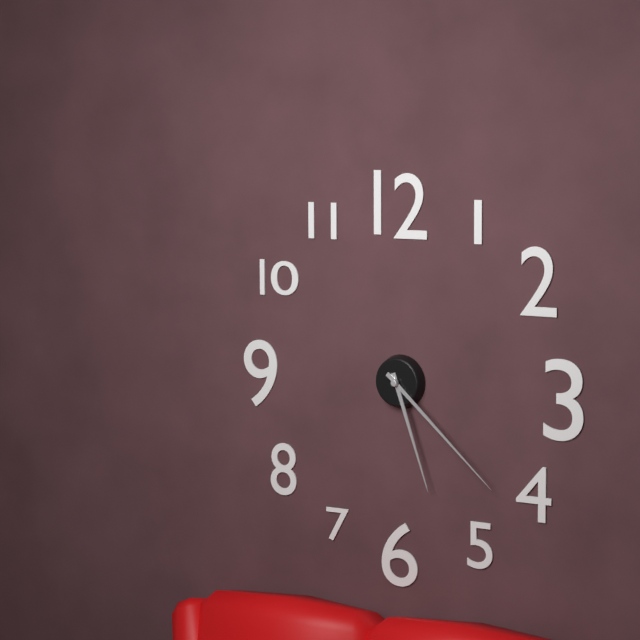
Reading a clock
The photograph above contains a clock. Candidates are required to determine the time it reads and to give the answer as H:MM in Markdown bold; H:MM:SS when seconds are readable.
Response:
**5:22**
